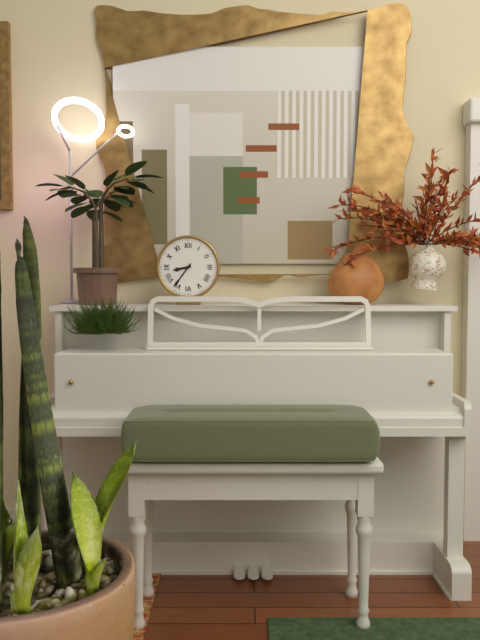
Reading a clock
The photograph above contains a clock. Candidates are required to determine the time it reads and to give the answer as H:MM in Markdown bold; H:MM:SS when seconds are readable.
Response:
**8:36**
